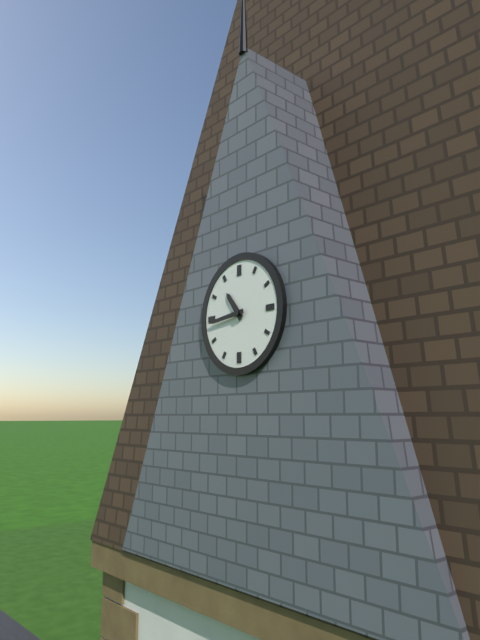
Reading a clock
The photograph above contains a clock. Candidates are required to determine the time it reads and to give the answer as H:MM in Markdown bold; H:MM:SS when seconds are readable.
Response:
**10:44**
